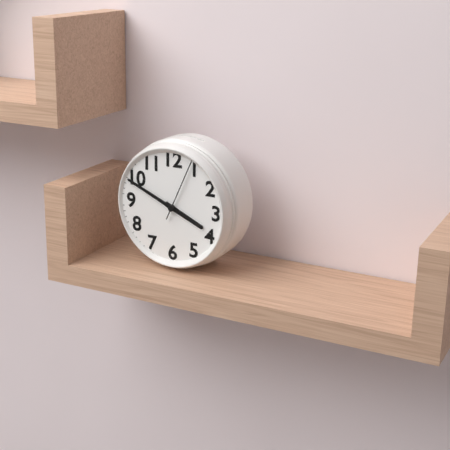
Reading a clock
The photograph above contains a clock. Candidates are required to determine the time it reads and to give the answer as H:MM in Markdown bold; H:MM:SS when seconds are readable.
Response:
**3:49:04**
